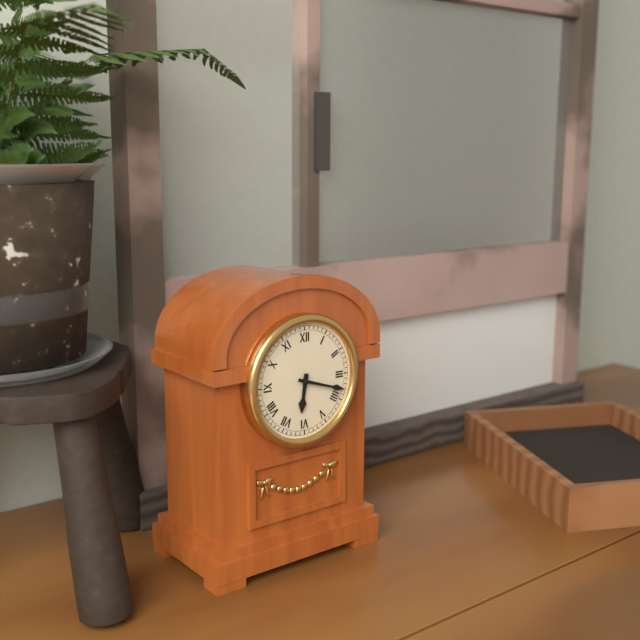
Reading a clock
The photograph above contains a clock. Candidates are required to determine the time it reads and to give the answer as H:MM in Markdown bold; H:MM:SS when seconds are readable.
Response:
**6:18**
